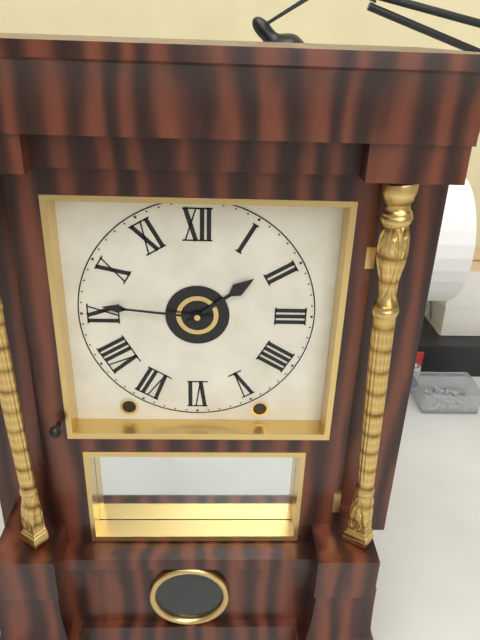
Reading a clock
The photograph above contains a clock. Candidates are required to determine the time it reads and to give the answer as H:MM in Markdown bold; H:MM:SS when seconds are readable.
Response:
**1:46**
